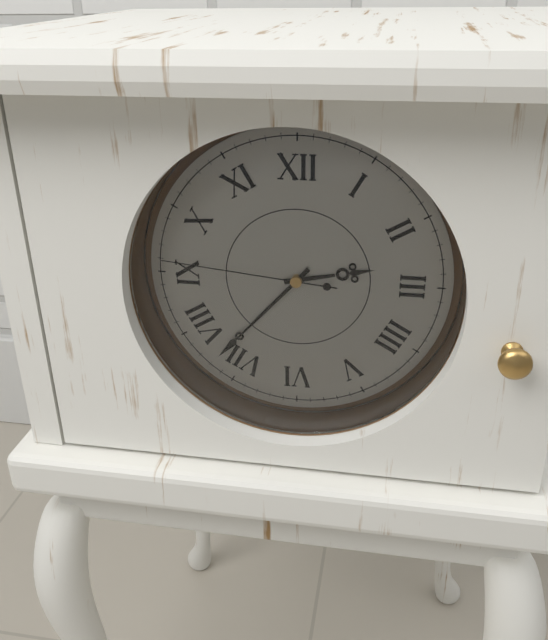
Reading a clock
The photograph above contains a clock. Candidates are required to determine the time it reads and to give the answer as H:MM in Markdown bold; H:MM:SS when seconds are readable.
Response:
**2:37:46**
